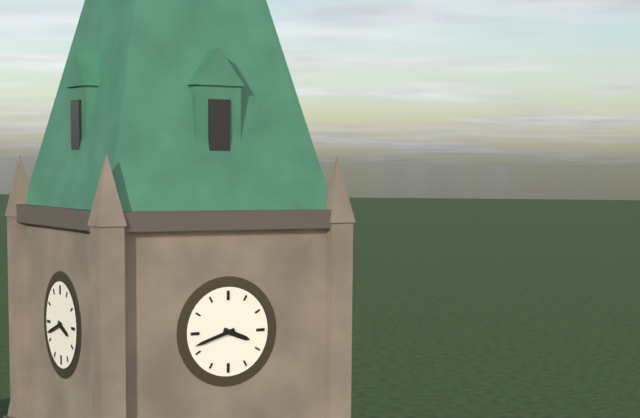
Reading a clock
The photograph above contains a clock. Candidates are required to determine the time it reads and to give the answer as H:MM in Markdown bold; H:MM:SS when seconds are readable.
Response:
**3:42**
